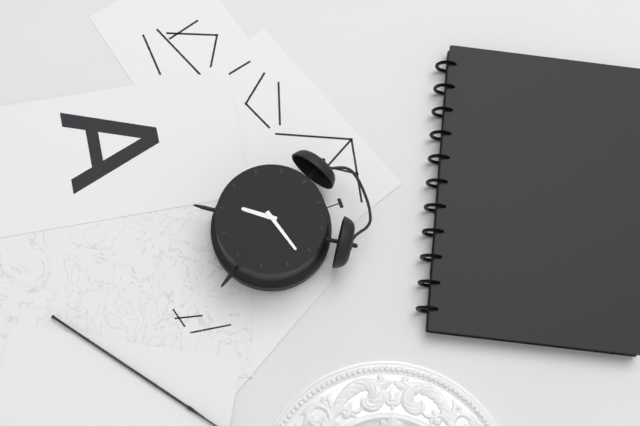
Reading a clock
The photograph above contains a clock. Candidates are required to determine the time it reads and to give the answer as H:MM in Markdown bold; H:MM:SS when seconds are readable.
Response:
**7:12**
